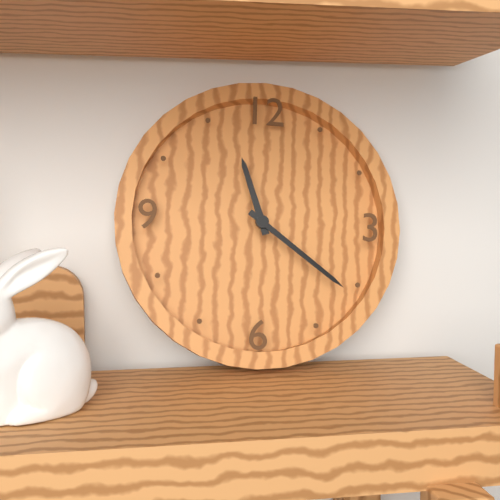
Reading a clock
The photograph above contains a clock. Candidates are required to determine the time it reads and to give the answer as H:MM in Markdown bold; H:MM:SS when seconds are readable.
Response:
**11:21**
